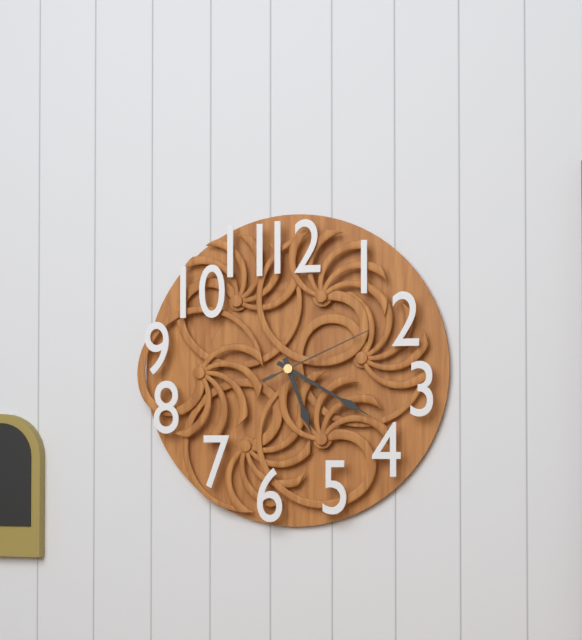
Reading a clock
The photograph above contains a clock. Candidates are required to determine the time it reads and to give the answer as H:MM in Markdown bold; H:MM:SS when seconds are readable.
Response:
**5:20:11**
